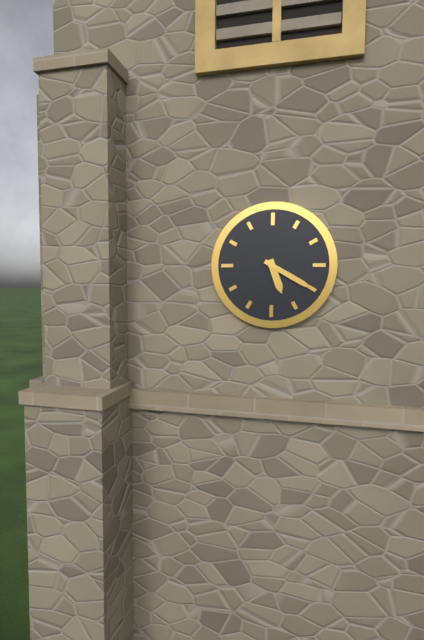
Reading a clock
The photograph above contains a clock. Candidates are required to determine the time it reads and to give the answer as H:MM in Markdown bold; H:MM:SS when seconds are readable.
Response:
**5:20**
